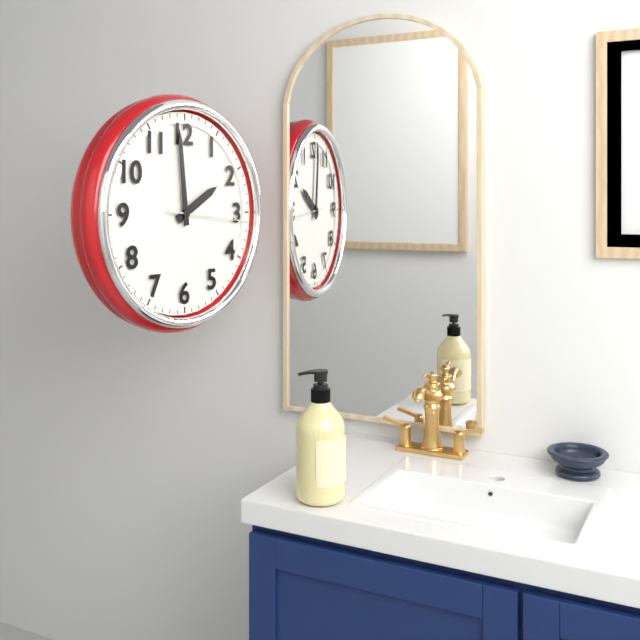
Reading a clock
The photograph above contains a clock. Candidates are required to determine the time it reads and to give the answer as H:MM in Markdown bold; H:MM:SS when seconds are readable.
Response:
**1:59:16**
